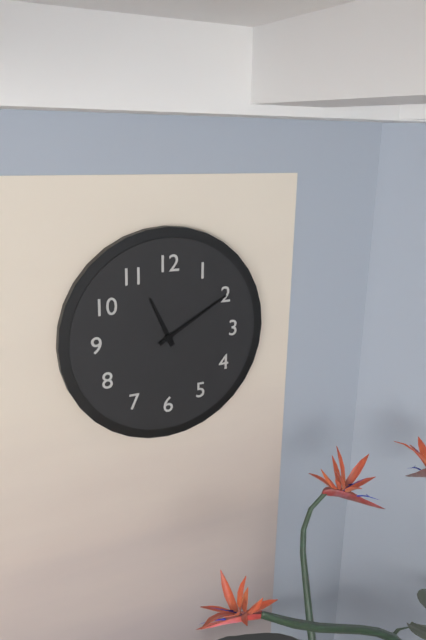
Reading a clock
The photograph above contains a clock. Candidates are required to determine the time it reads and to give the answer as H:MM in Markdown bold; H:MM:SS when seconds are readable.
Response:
**11:10**
